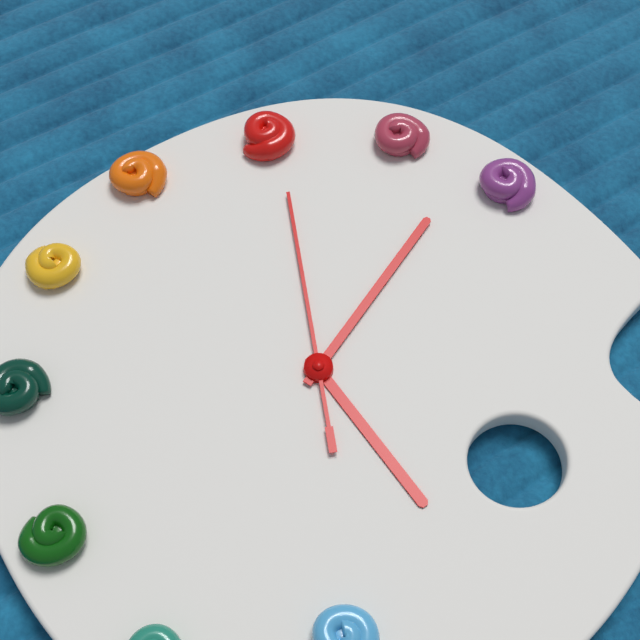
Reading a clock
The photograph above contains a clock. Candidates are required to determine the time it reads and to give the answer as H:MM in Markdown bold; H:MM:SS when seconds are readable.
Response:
**2:56:49**
